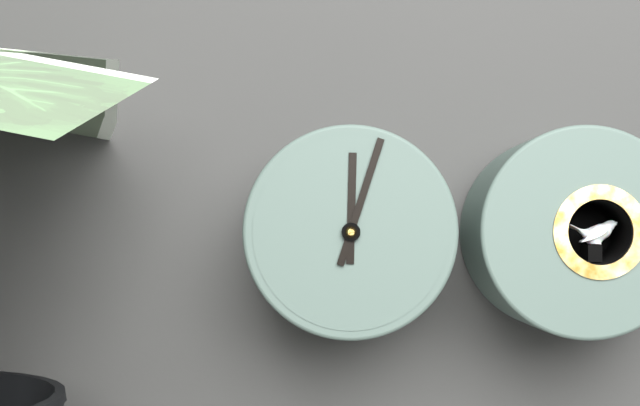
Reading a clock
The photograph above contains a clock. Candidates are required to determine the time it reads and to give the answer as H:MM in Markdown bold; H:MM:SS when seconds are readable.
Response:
**12:03**
